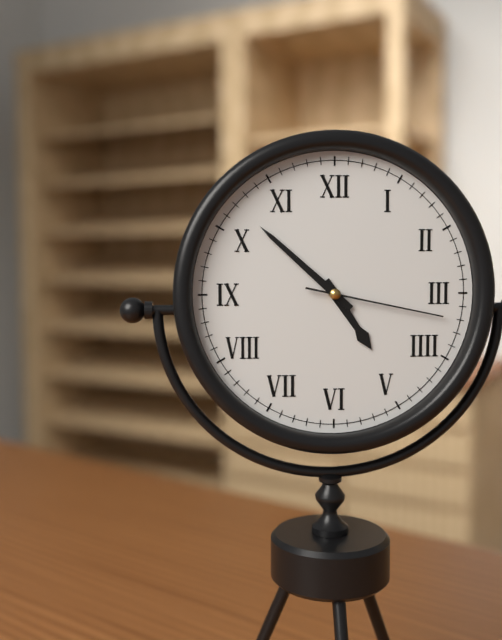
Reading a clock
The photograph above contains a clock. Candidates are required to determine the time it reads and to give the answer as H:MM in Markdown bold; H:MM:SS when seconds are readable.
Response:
**4:52:17**
